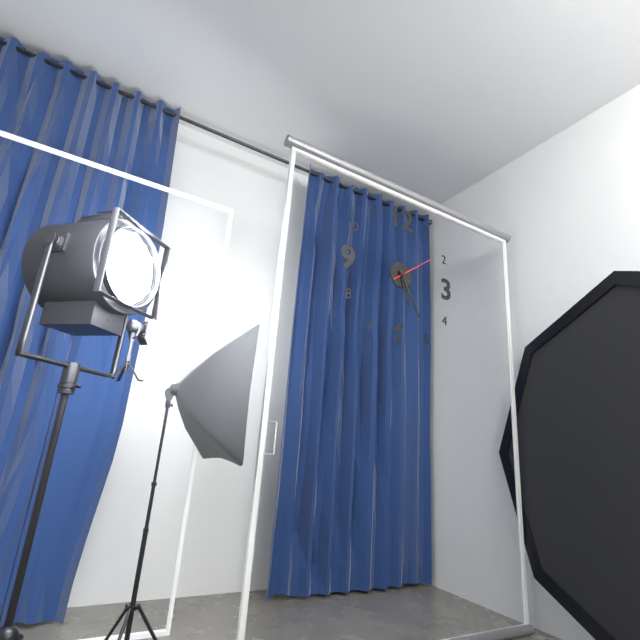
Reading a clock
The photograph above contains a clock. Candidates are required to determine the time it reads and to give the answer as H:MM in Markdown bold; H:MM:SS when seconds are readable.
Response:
**5:25**
